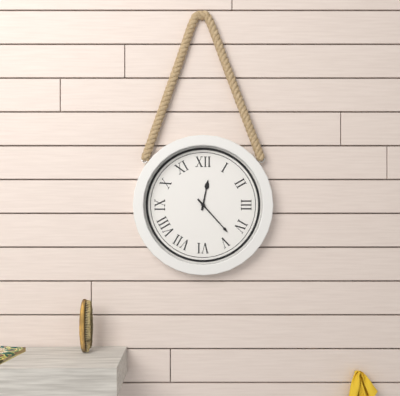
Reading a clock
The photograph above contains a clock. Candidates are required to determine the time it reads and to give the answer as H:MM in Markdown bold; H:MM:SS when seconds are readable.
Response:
**12:23**
